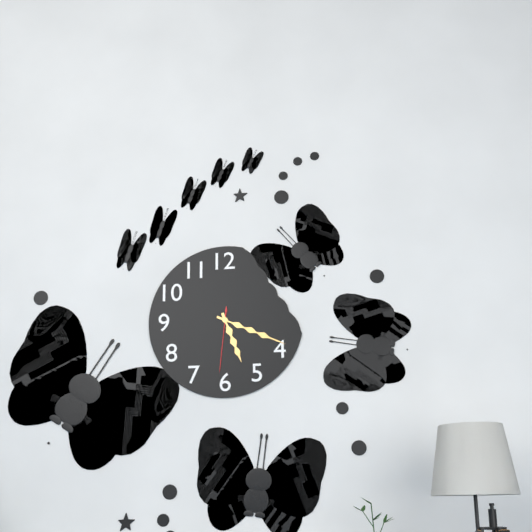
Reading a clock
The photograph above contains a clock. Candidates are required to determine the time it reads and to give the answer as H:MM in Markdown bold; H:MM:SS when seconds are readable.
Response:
**5:19:31**
